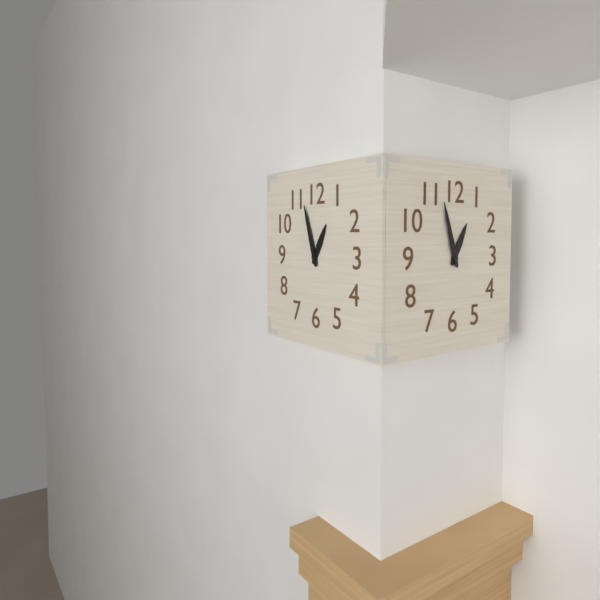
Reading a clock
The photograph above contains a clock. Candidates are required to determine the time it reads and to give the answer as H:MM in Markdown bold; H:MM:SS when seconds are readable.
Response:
**12:57**
